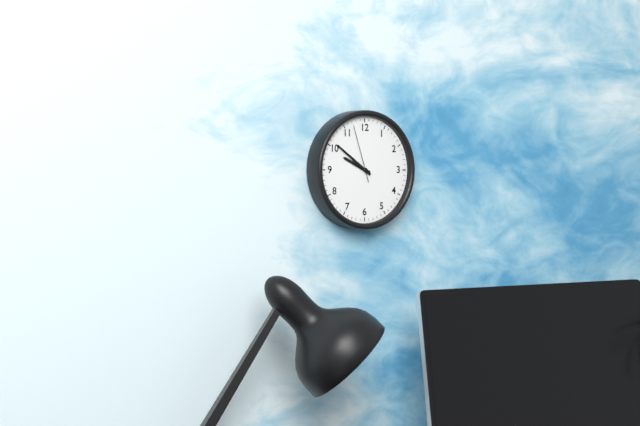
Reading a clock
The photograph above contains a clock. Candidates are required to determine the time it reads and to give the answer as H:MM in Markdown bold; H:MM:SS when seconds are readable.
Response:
**9:51:57**
